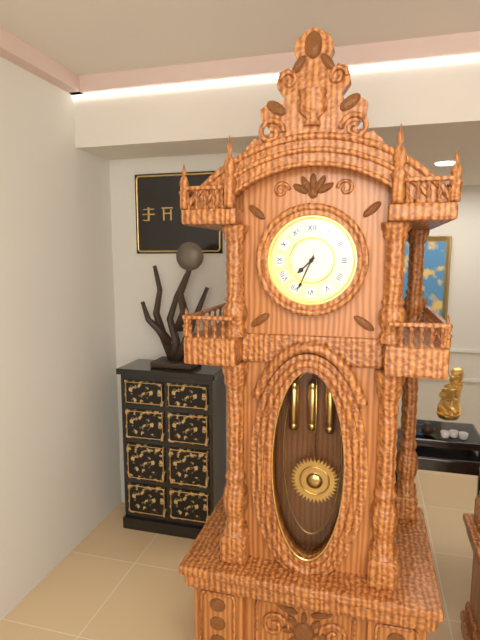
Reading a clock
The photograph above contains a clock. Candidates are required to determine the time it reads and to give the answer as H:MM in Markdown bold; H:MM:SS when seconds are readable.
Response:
**7:34**
